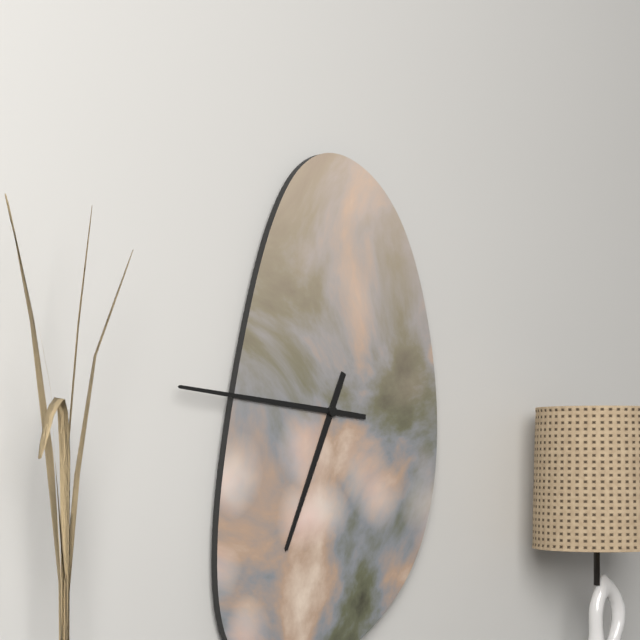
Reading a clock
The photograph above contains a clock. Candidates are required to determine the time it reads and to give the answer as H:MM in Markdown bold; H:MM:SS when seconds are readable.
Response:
**6:46**
